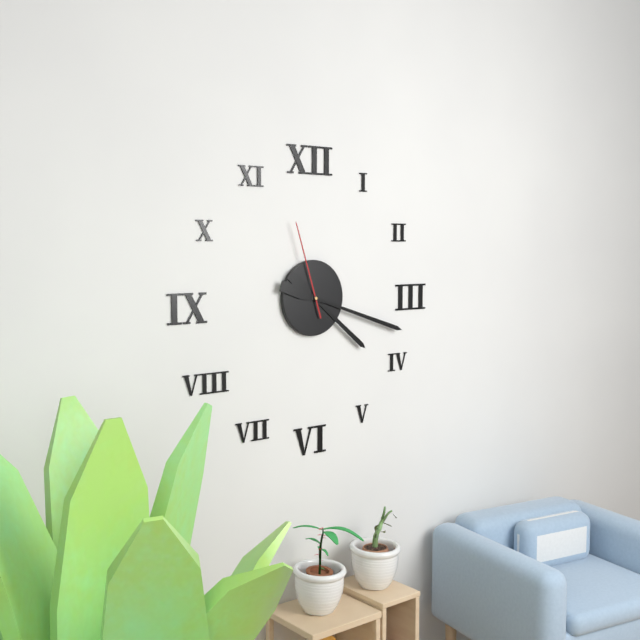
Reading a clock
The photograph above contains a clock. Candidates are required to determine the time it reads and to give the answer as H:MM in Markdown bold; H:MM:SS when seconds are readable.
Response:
**4:18:57**
